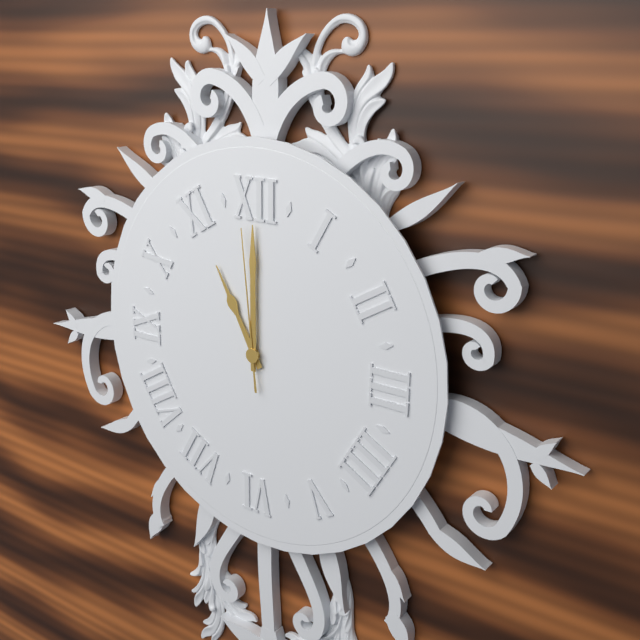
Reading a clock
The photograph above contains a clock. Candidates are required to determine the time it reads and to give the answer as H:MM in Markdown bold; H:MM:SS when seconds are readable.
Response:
**11:00:59**
